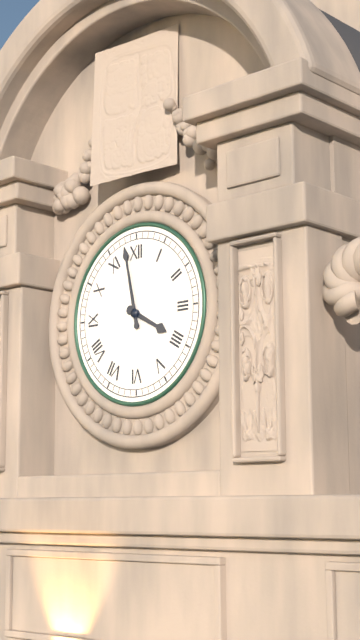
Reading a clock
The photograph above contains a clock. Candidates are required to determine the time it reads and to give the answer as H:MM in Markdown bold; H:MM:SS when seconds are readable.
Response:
**3:58**
